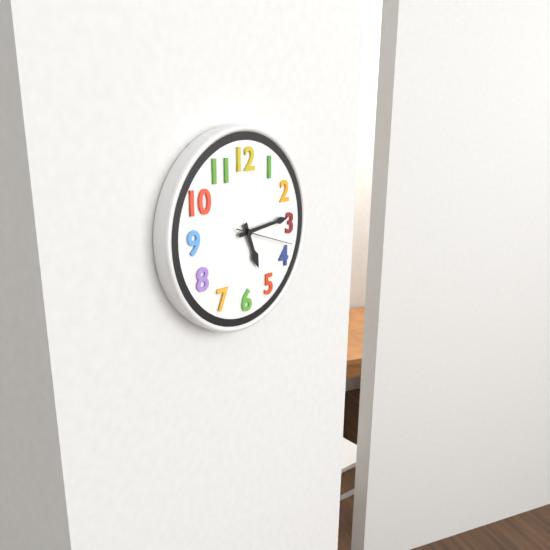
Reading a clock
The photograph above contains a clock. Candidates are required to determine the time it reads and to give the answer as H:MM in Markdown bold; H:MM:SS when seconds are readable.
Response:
**5:14:18**
